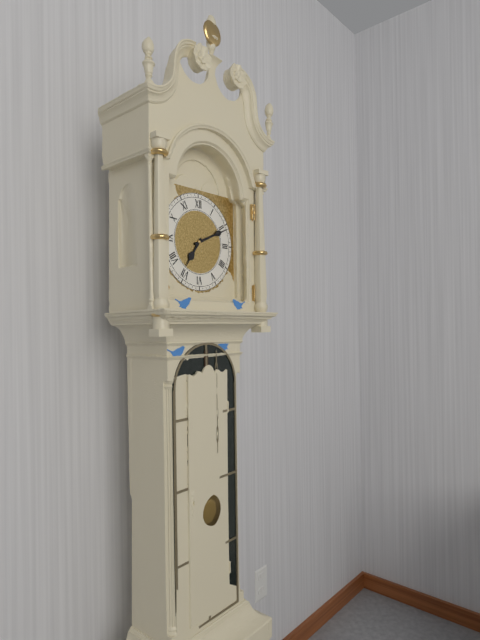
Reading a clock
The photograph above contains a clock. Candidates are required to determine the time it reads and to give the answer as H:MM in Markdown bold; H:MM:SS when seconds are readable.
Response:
**7:11**
